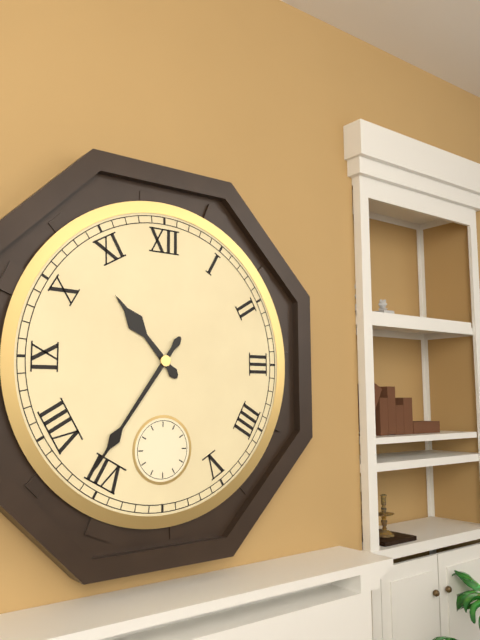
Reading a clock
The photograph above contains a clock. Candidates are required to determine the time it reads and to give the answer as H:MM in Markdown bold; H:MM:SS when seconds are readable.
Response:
**10:36**
